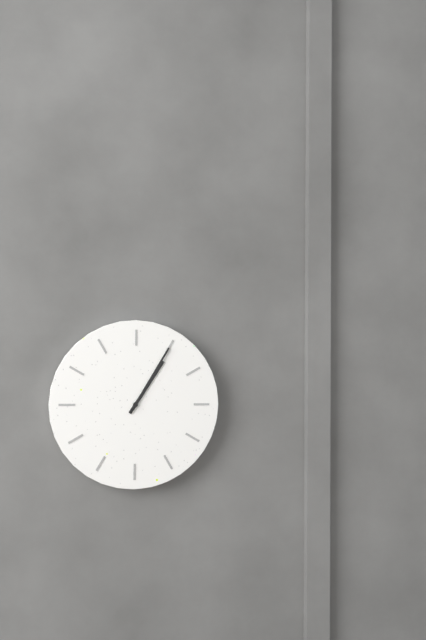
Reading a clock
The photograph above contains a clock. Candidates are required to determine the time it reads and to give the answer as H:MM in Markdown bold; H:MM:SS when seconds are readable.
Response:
**1:05**
